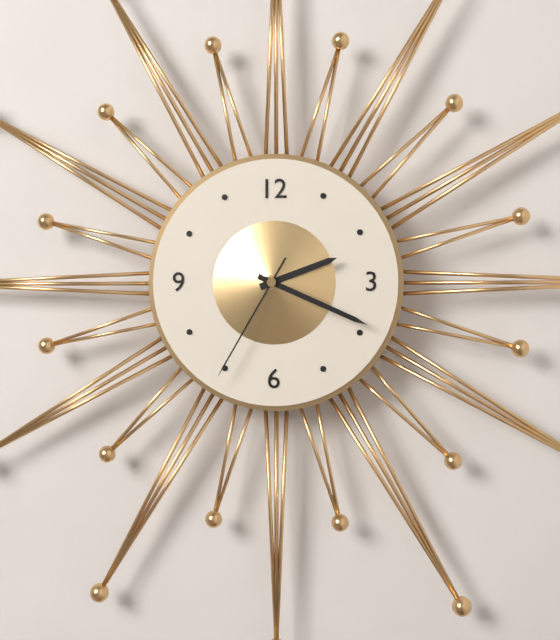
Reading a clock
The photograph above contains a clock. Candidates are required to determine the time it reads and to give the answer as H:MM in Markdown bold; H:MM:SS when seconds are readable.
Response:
**2:19:35**
